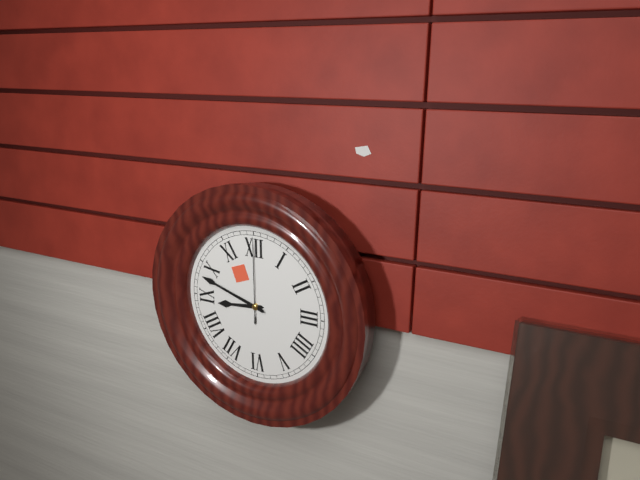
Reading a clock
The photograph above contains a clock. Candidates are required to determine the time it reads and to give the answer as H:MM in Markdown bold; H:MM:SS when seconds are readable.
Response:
**8:48:00**
